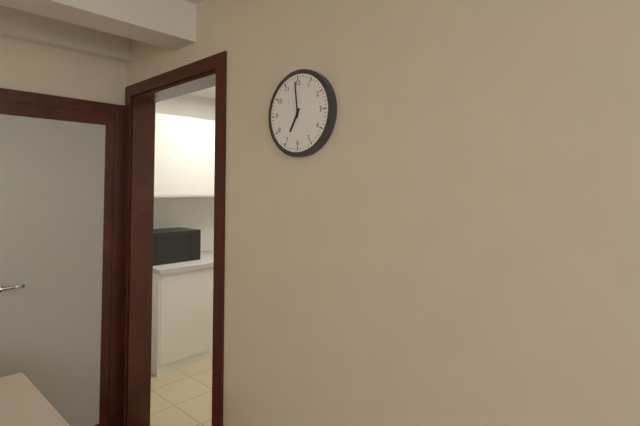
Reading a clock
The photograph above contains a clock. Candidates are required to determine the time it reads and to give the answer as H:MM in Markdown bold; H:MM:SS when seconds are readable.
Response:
**6:59**
